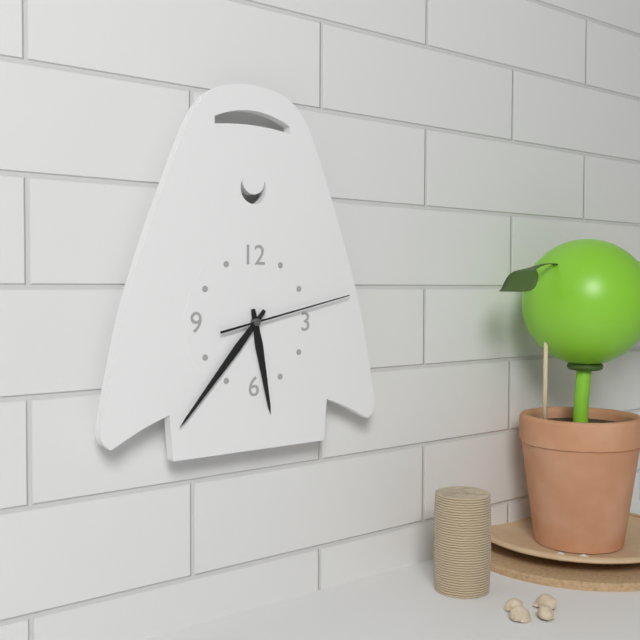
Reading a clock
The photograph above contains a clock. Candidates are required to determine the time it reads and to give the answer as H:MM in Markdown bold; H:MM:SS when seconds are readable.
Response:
**5:37:13**
